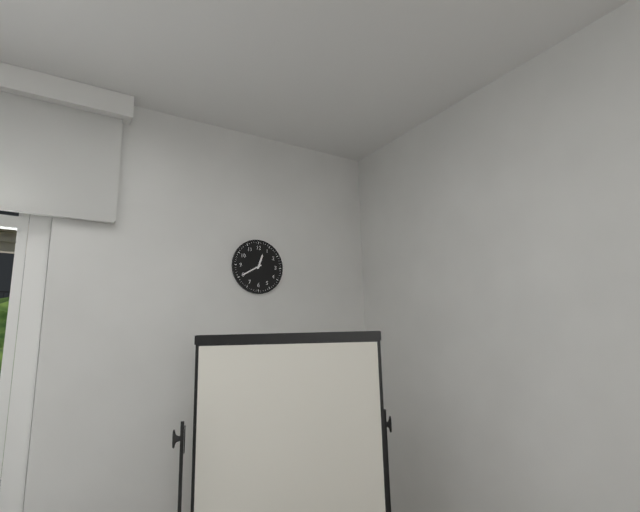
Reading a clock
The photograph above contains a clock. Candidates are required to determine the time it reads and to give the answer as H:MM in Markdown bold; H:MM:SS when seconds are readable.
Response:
**12:40**
